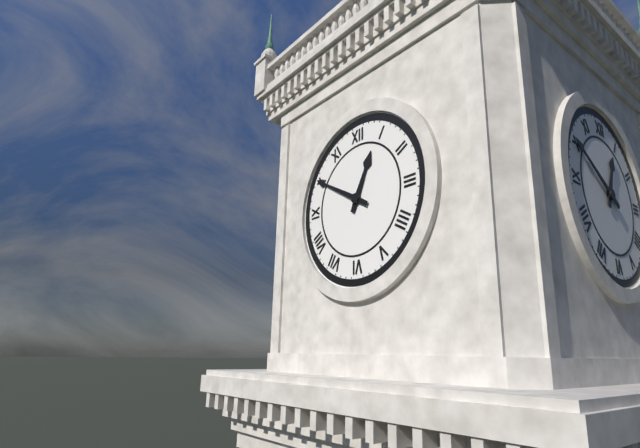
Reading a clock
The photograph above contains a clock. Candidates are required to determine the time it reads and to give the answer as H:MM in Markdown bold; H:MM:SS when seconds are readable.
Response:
**12:50**
